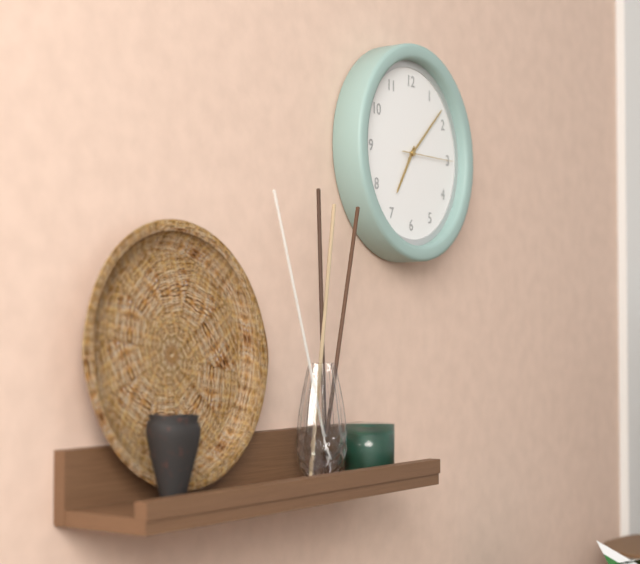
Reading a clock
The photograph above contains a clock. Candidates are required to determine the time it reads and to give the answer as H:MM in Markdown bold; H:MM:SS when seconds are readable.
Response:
**7:08:15**
